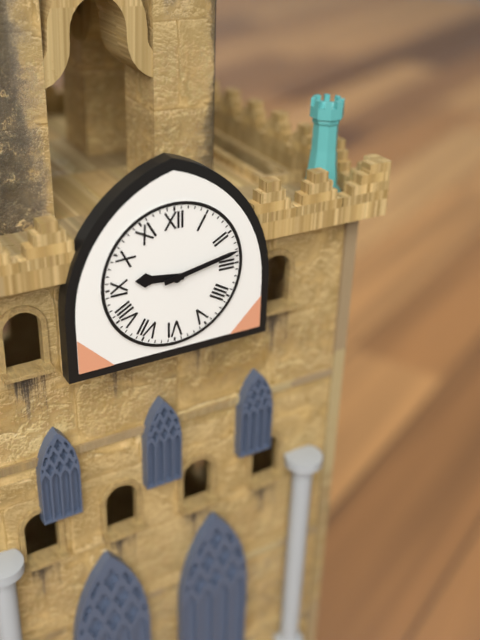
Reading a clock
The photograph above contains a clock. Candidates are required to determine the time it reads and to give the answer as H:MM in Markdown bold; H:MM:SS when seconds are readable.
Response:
**9:13**
